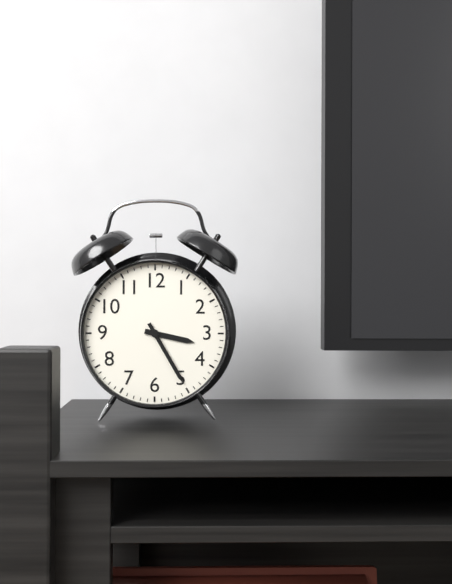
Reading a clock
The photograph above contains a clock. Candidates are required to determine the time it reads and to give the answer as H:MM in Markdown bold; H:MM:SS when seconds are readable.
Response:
**3:25**
